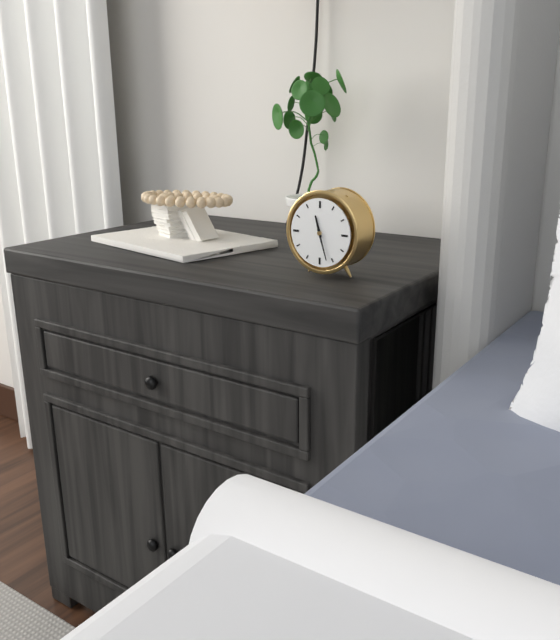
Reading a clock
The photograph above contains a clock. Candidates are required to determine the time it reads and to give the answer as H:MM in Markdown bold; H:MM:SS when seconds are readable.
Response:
**11:27**
